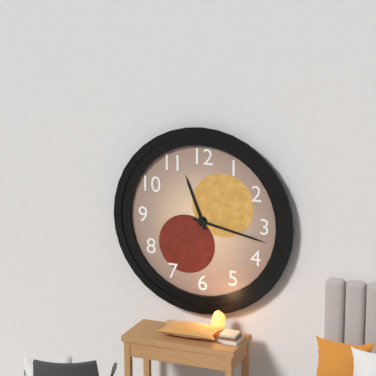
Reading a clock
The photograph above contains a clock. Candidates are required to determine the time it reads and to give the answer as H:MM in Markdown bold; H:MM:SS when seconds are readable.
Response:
**11:17**
